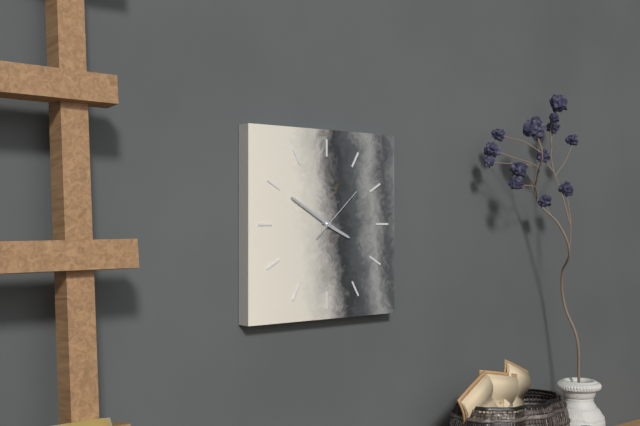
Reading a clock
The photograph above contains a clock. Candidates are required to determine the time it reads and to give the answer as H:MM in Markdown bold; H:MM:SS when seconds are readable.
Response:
**3:50:08**
